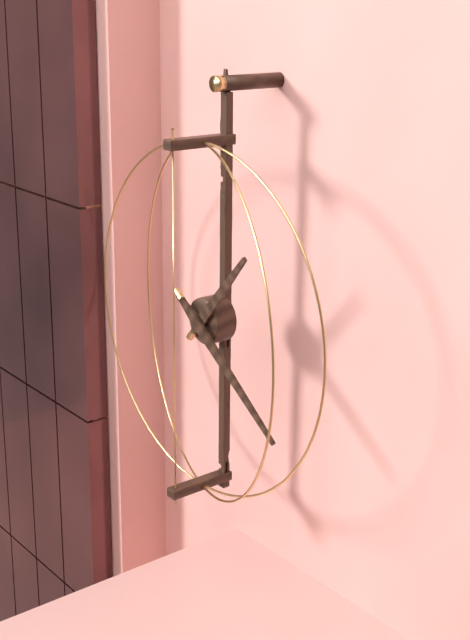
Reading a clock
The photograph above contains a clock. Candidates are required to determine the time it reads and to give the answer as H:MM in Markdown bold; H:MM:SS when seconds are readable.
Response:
**1:21**
